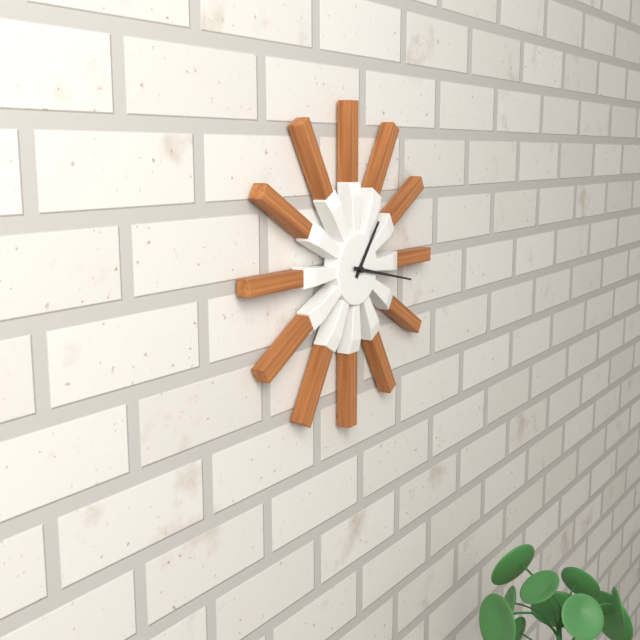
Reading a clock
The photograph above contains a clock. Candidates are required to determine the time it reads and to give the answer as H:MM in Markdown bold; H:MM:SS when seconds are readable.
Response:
**1:17**
